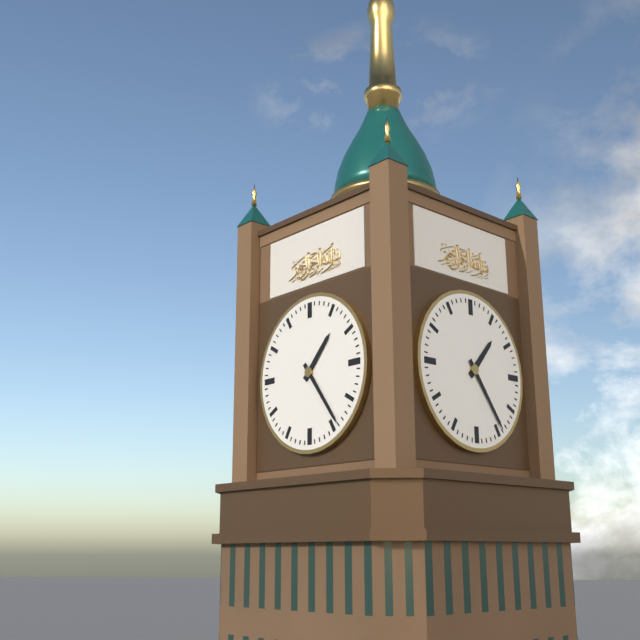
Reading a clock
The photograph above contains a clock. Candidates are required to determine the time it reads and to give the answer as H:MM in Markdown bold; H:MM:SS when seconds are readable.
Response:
**1:24**
